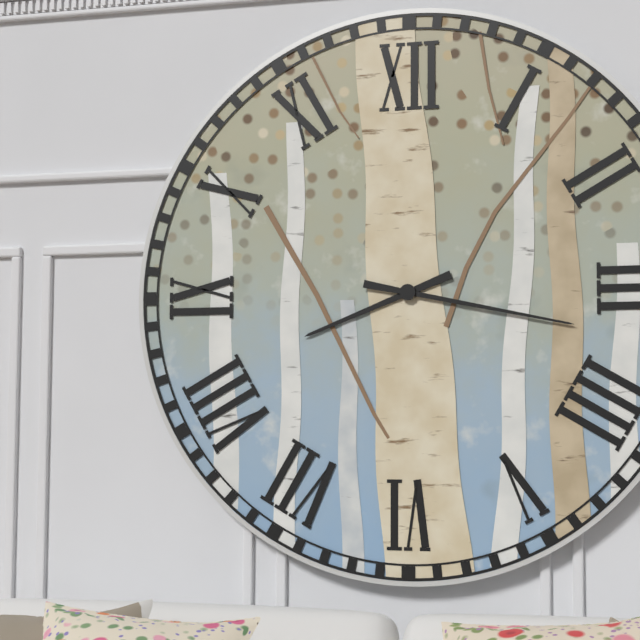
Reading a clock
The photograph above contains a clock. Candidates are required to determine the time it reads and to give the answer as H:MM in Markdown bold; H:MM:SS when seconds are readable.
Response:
**8:17**
